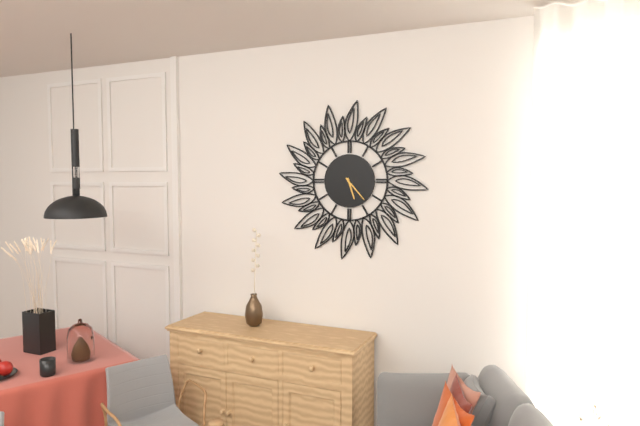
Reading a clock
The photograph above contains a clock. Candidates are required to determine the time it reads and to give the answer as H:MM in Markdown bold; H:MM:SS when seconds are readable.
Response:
**5:23**
